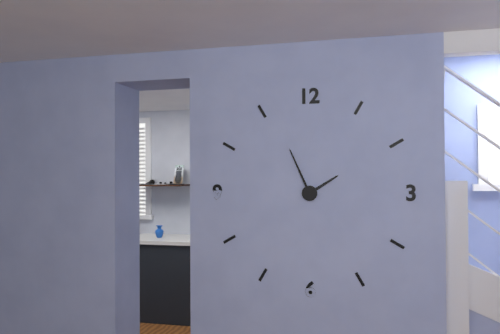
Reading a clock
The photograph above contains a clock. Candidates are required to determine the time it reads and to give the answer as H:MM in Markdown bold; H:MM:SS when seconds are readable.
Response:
**1:56**
